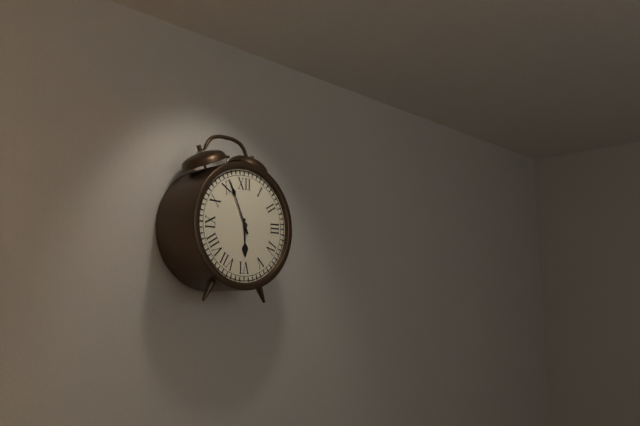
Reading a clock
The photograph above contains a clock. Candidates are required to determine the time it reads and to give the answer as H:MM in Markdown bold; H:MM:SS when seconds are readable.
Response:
**5:56**
